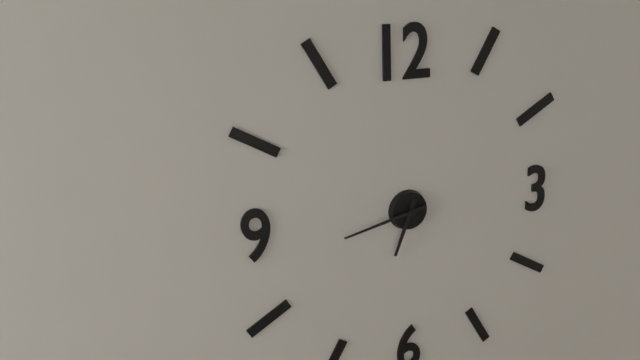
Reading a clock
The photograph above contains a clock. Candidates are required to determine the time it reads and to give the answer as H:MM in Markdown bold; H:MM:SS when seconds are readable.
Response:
**6:43**
